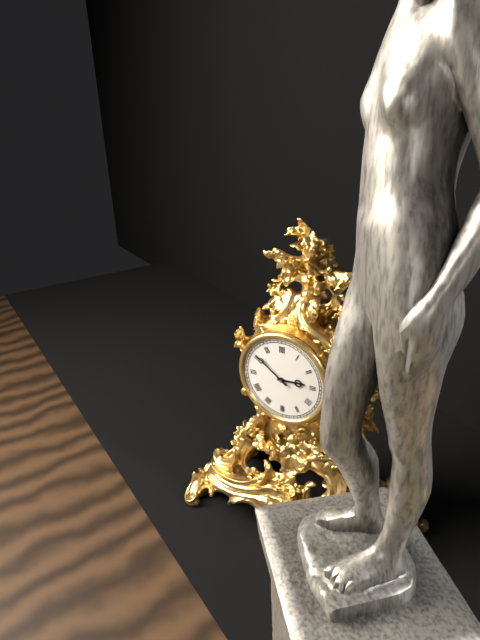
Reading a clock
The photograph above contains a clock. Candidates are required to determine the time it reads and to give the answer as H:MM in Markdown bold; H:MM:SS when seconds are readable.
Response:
**2:51**
